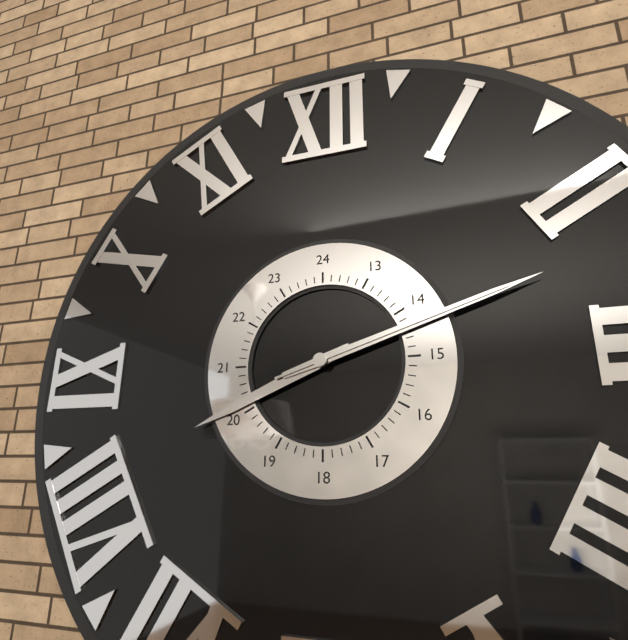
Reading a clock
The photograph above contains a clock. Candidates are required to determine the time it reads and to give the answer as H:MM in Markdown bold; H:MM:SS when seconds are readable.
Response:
**8:12:12**
